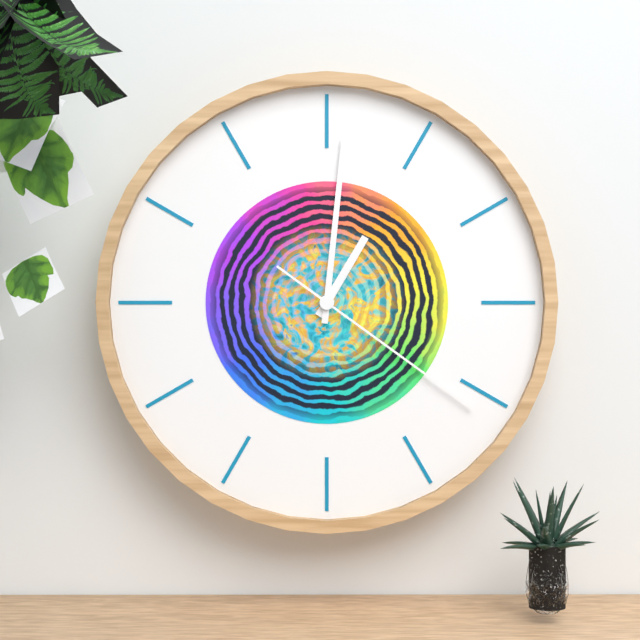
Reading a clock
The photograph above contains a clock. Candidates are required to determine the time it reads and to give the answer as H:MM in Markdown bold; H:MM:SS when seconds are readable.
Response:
**1:01:21**
